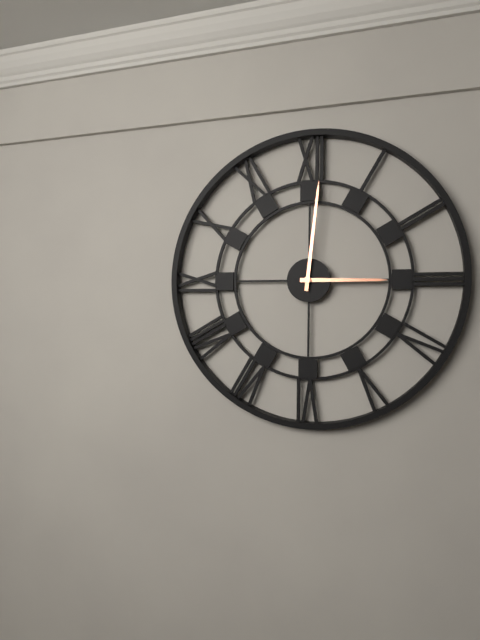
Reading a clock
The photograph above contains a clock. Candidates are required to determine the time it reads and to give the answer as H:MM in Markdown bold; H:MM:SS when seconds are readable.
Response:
**3:01**
